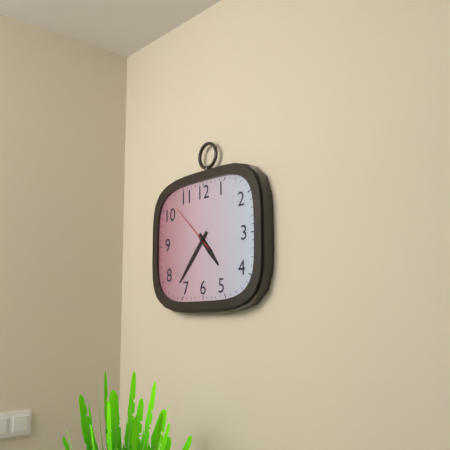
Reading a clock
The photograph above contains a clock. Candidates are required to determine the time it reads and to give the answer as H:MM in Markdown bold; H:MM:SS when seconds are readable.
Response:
**4:37:52**
